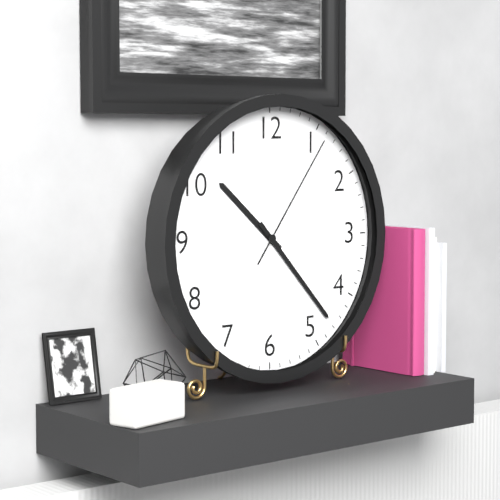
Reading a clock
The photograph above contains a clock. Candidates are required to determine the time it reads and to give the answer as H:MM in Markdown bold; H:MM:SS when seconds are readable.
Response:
**10:23:06**
